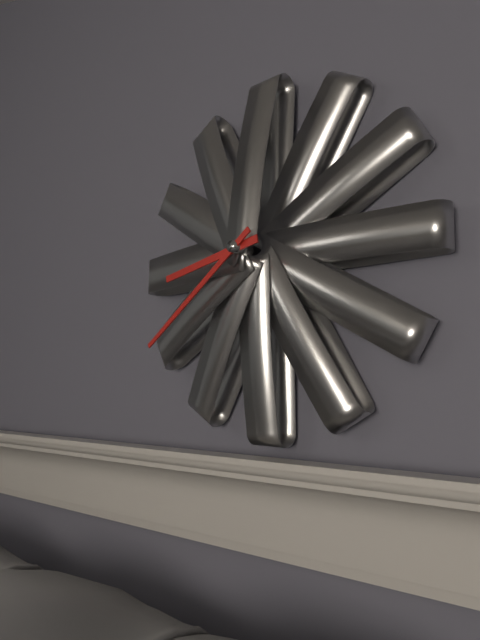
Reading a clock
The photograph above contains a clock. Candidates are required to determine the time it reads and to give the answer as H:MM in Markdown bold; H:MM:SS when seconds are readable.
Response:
**8:39**
